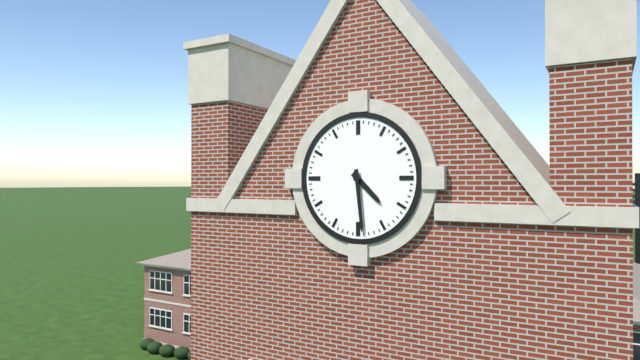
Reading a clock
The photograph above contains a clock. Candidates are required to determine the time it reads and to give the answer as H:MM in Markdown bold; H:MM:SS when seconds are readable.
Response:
**4:29**
